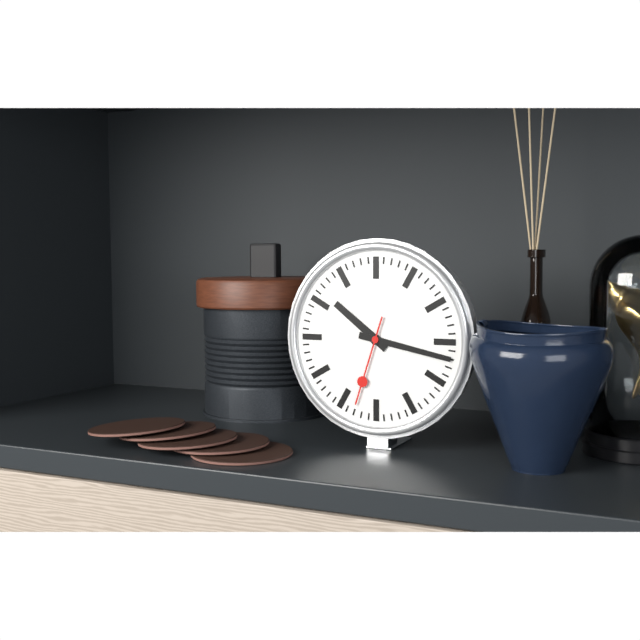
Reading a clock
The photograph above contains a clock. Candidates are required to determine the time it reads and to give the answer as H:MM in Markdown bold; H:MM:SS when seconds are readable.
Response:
**10:17:33**
